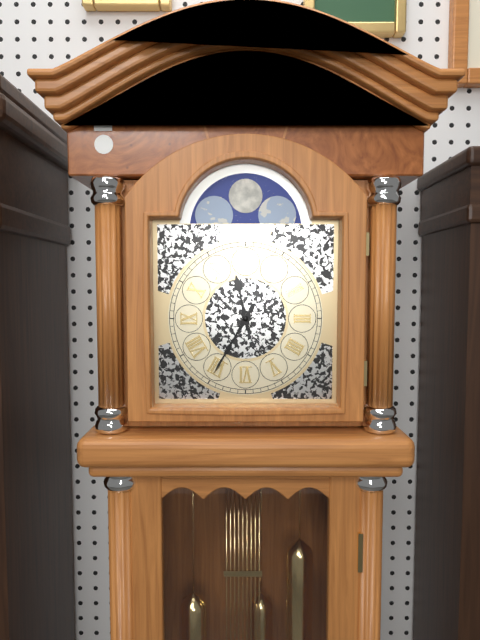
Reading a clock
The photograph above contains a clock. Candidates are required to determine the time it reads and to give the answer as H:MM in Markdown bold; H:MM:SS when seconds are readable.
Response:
**11:35**
